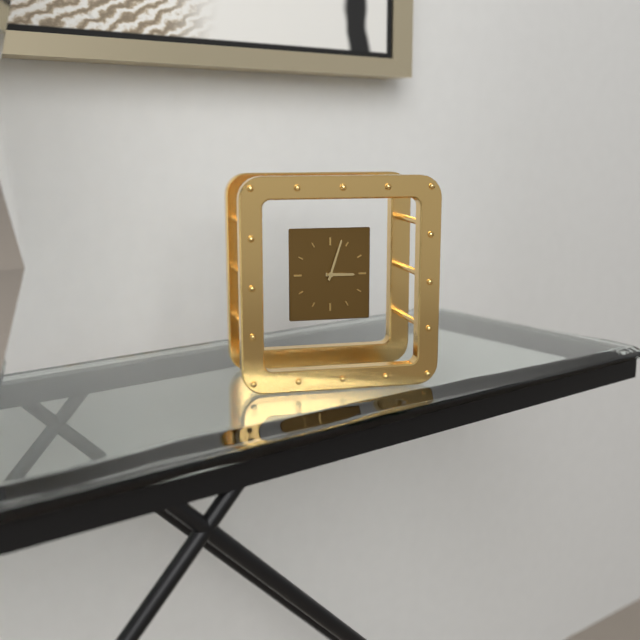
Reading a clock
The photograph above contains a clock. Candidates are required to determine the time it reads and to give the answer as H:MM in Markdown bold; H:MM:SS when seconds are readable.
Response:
**3:03**
